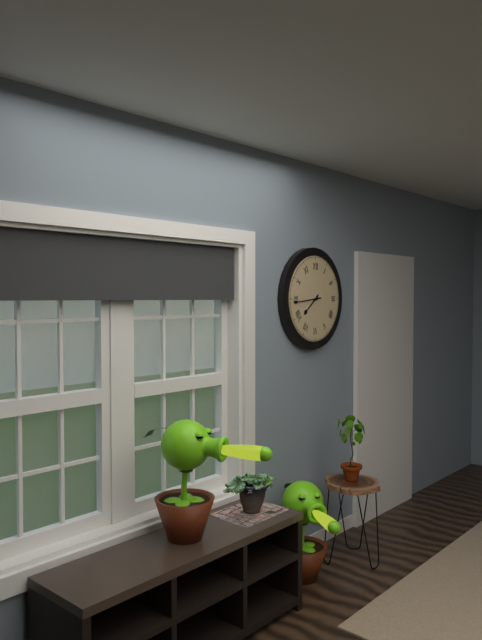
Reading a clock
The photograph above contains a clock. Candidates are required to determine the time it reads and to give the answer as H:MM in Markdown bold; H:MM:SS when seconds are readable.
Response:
**7:44**
